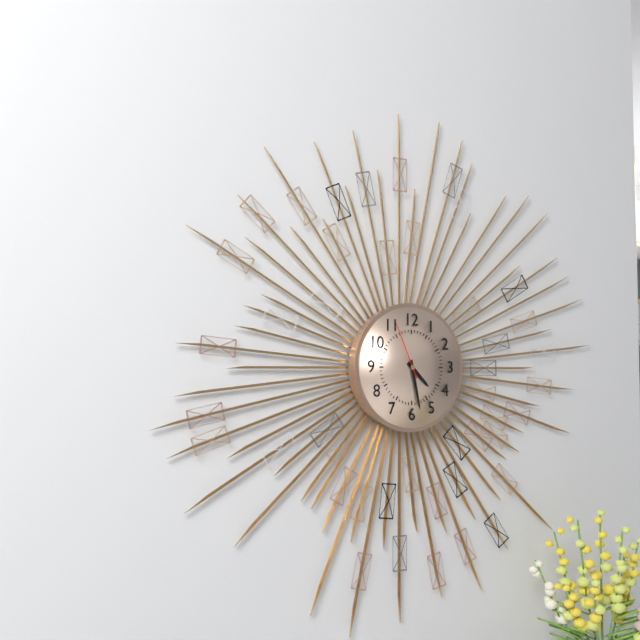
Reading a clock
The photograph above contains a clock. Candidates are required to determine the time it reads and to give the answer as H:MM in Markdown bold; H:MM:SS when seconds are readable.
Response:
**4:28:56**
